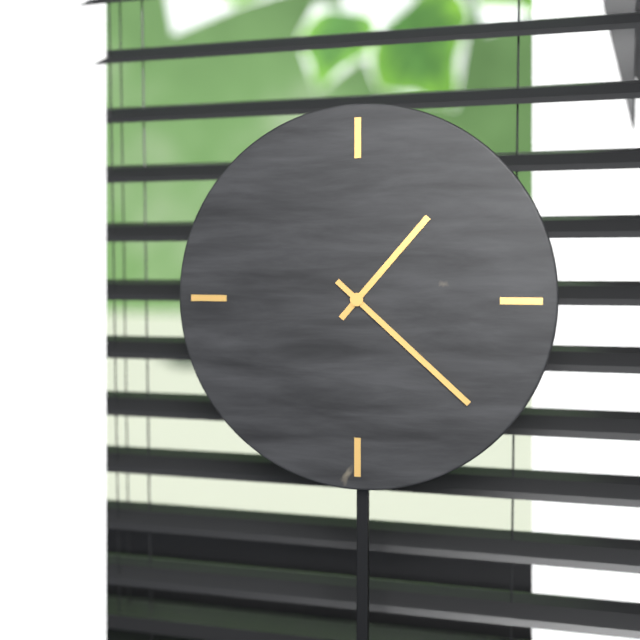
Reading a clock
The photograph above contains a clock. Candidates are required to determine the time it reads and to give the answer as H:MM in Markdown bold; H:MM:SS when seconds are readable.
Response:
**1:22**
